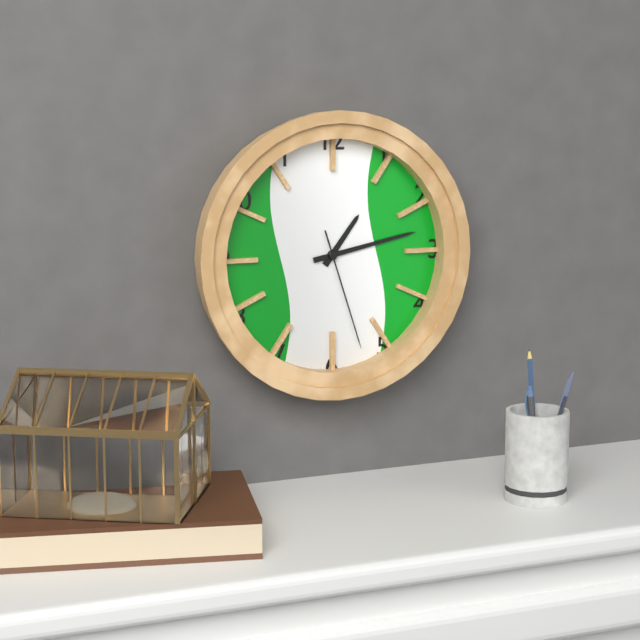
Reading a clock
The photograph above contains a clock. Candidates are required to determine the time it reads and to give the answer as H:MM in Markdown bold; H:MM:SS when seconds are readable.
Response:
**1:13:27**
